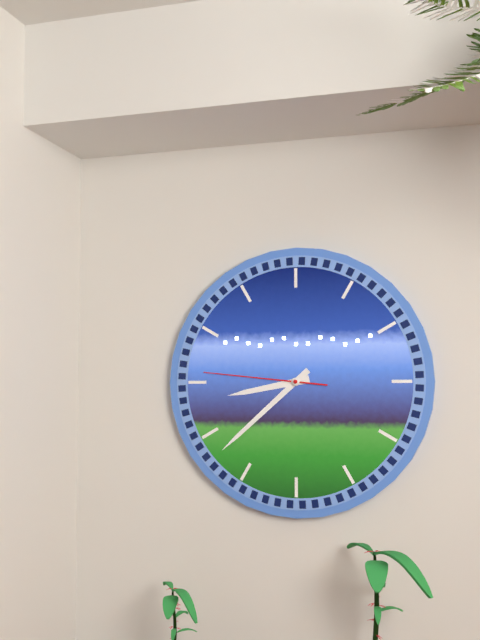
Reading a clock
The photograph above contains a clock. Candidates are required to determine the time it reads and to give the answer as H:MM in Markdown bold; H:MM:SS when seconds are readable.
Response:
**8:38:46**
